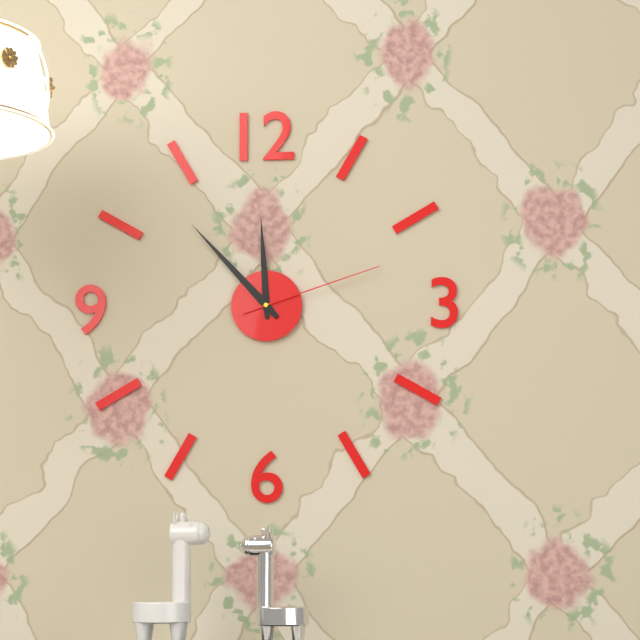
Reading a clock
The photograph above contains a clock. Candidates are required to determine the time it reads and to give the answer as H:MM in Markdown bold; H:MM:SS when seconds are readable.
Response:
**11:53:12**
